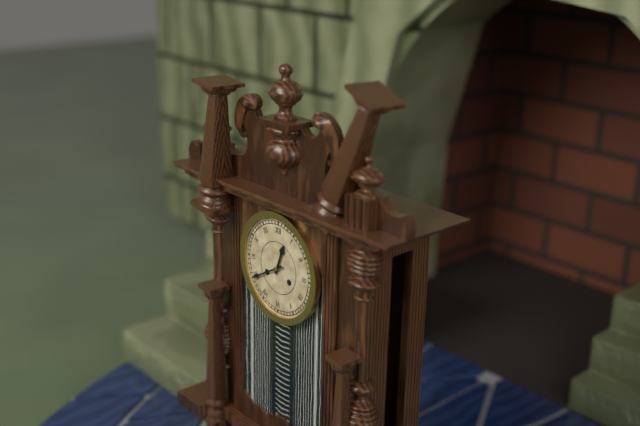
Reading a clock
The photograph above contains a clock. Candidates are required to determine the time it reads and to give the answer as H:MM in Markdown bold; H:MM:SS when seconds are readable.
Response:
**12:40**
